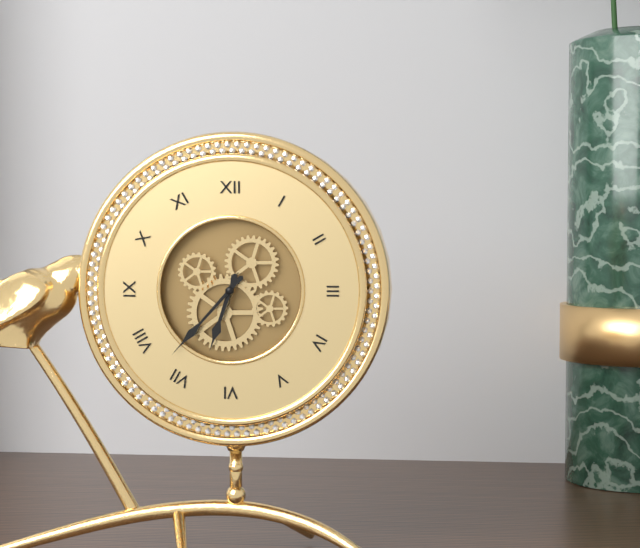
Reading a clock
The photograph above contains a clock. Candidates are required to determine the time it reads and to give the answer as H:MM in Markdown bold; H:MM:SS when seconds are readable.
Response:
**6:37**
